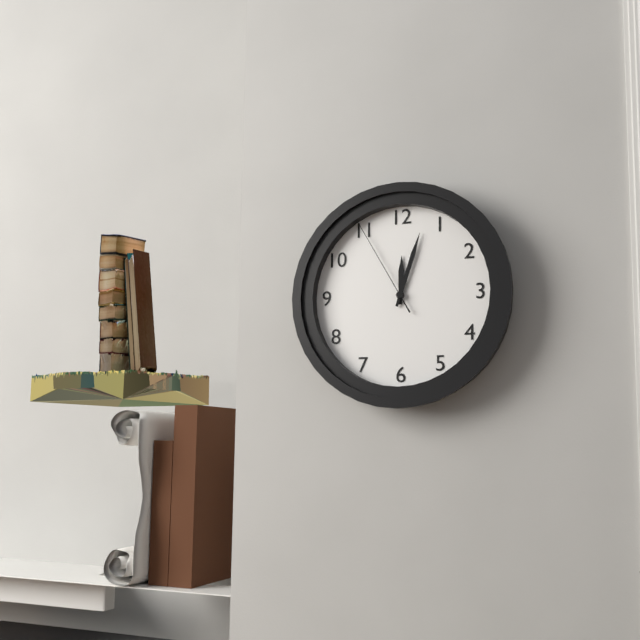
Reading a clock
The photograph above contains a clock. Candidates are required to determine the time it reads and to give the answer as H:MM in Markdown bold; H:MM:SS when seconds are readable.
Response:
**12:03:55**
